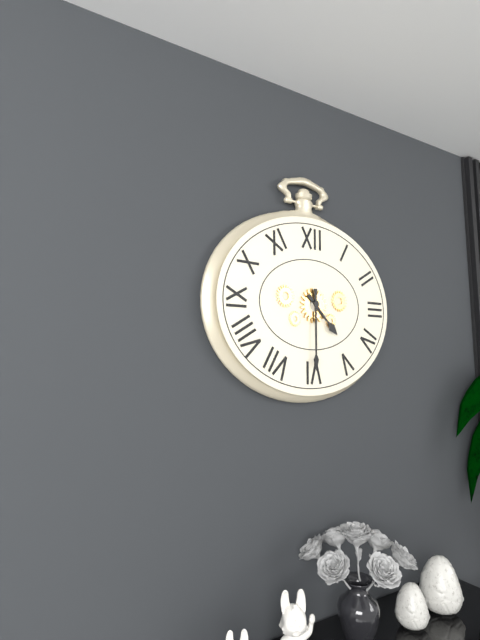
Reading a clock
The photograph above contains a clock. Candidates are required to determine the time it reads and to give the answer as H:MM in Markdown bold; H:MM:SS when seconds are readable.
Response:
**4:30**
